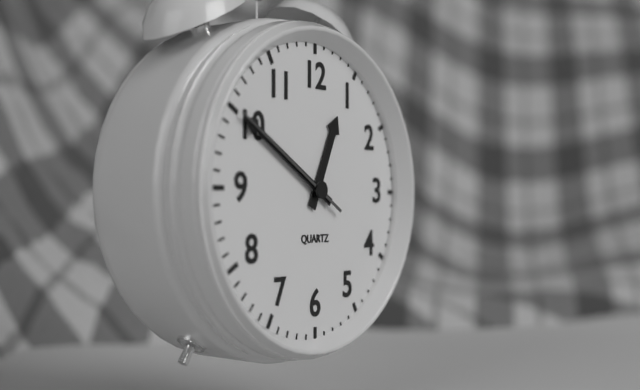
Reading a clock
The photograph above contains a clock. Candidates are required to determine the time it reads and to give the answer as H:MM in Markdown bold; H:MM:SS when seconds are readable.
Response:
**12:50:50**
